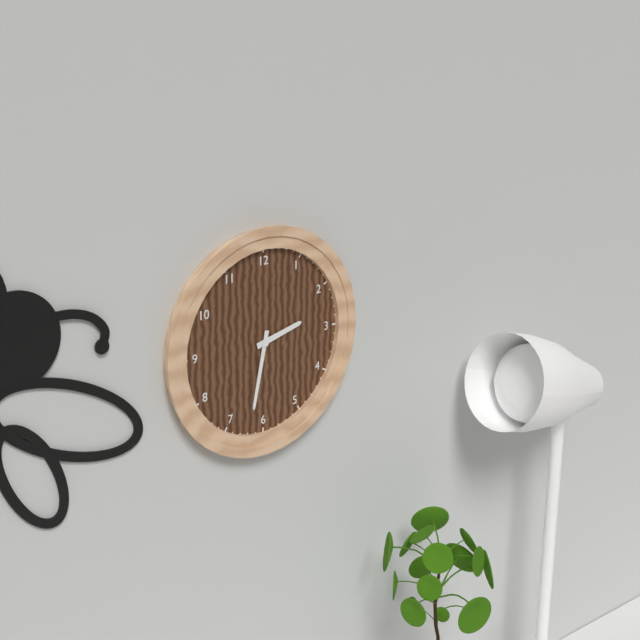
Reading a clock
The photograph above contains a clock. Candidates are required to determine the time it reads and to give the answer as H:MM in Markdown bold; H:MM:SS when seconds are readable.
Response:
**2:32**
